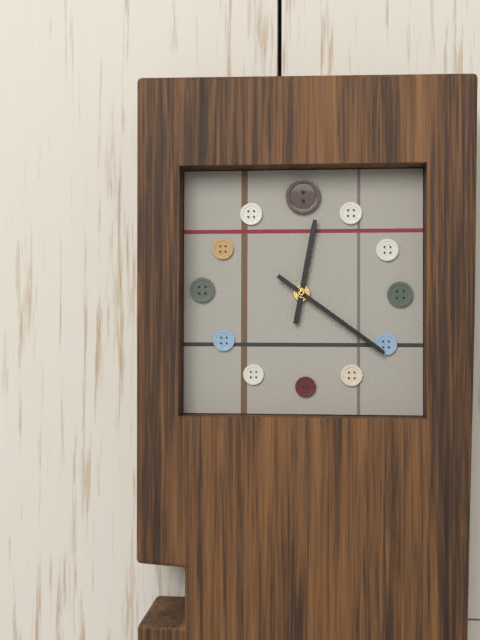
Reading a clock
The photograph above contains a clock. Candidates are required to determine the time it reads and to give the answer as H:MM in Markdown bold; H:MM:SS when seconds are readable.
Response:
**12:21**
